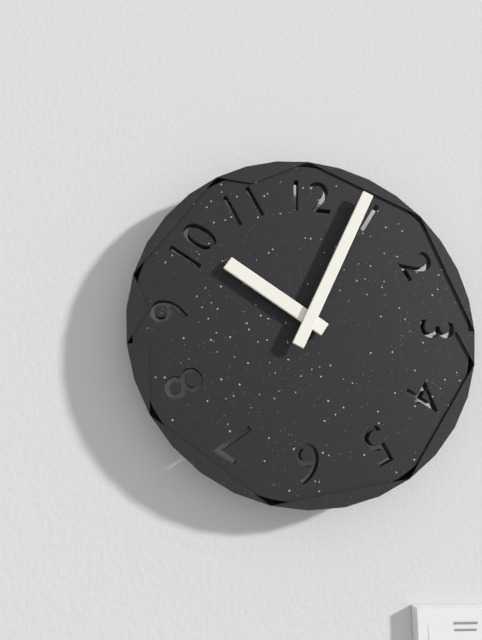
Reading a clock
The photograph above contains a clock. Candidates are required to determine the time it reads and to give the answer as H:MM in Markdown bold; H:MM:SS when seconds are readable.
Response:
**10:04**
